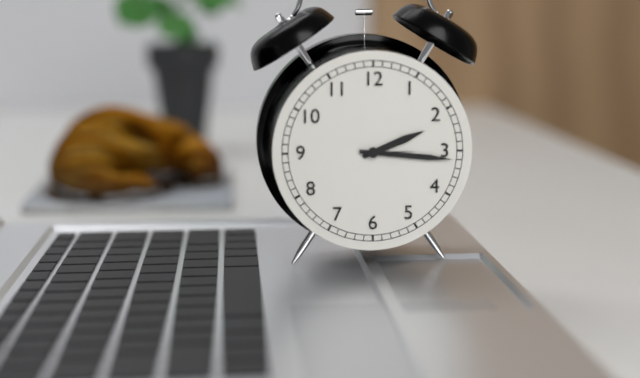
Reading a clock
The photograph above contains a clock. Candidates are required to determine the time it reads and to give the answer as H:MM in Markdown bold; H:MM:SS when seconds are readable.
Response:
**2:16**
